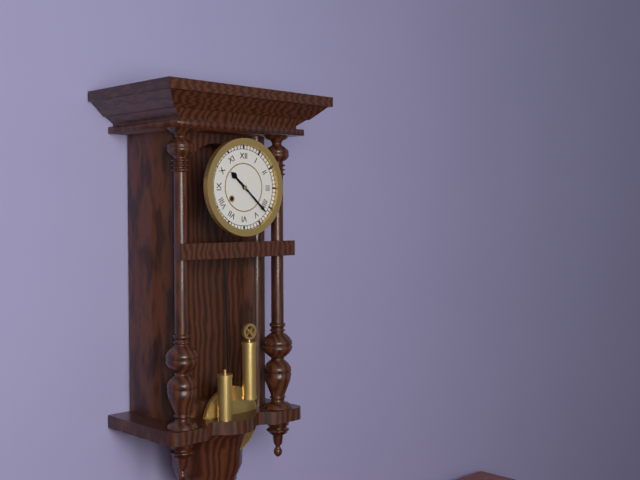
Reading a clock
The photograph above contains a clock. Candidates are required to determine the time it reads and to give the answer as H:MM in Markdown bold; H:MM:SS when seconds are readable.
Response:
**10:22**
